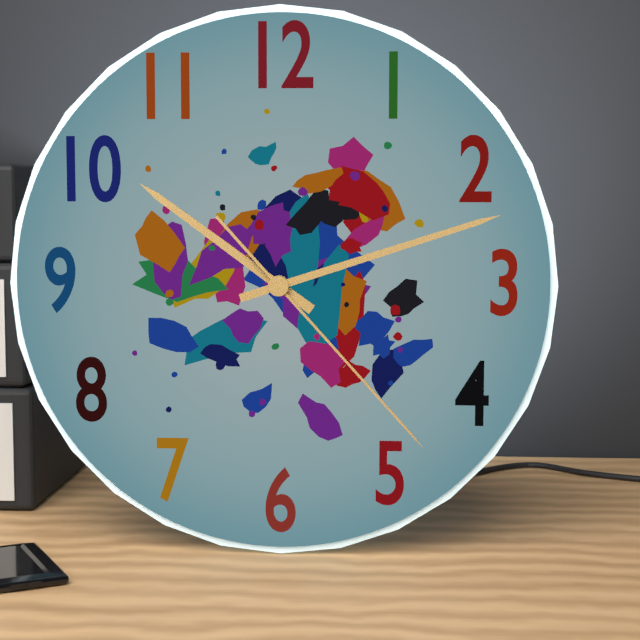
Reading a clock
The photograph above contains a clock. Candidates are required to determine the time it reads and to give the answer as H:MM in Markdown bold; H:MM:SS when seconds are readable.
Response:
**10:12:23**
